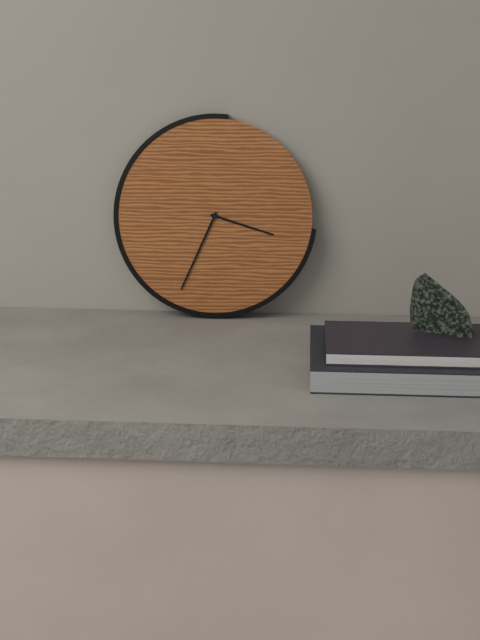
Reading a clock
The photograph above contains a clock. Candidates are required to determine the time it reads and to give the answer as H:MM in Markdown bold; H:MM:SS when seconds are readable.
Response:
**3:34**
